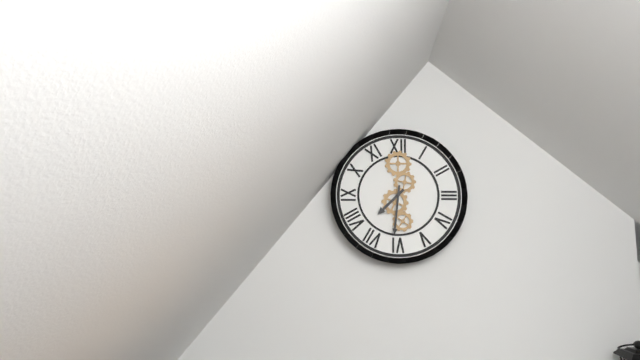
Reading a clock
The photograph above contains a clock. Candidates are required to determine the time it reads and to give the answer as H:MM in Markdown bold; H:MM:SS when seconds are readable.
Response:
**7:31**
